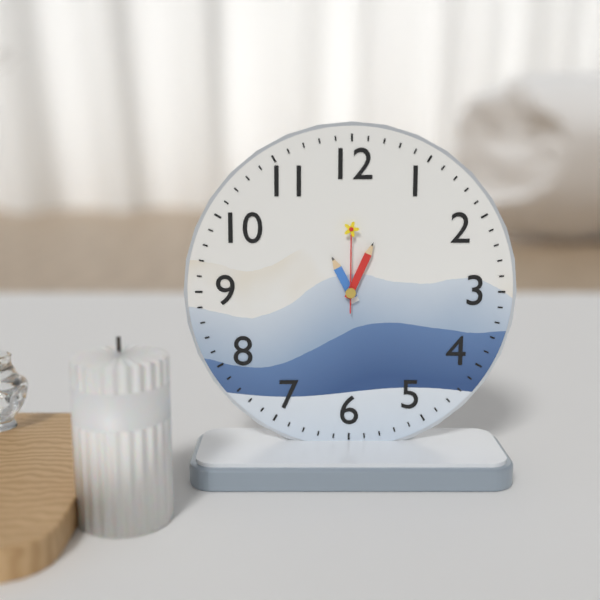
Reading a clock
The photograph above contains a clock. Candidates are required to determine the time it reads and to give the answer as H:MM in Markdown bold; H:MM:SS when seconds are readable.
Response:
**11:04:00**
